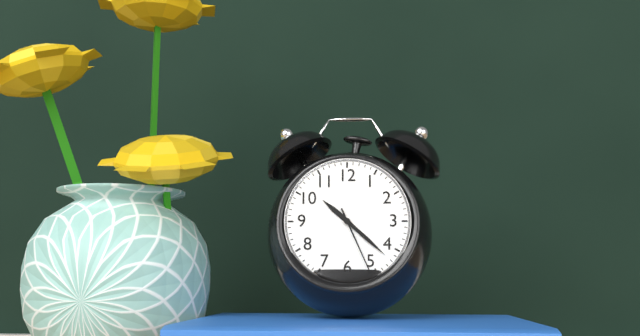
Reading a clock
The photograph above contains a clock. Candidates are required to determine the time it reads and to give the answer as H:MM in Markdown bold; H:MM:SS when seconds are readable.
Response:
**10:22:26**
